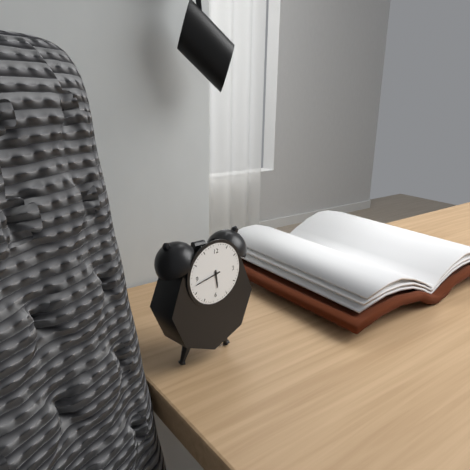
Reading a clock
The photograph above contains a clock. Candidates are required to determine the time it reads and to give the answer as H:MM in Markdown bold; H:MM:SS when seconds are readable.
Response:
**5:43**
